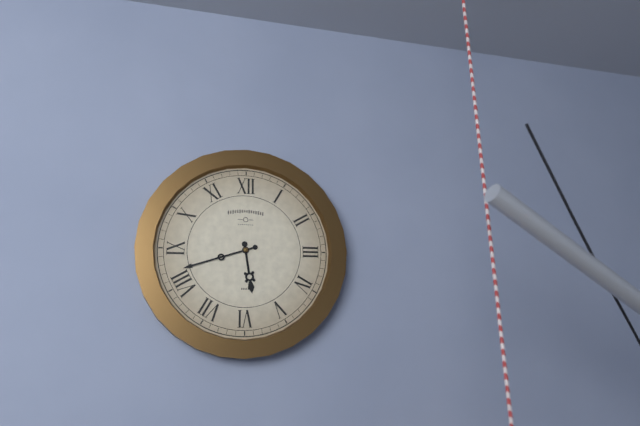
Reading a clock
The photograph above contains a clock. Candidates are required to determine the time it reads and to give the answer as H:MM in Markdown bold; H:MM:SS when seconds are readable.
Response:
**5:42**
